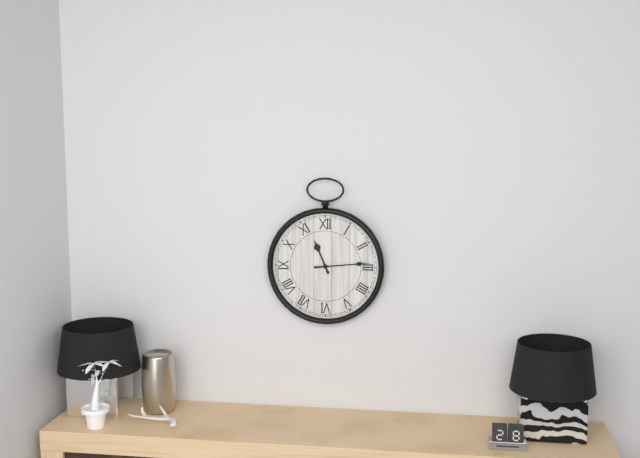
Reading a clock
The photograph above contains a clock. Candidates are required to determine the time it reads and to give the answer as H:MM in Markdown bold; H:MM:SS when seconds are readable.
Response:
**11:14**
